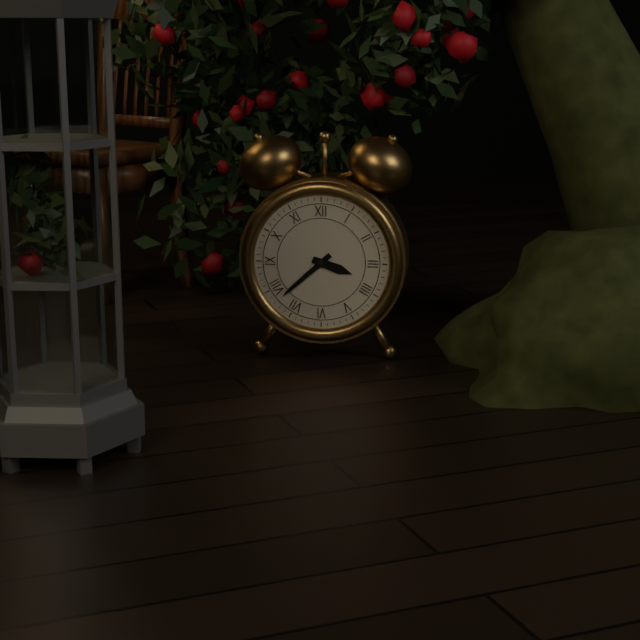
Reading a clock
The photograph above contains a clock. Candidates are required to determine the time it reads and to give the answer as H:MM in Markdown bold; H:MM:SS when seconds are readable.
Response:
**3:38**
